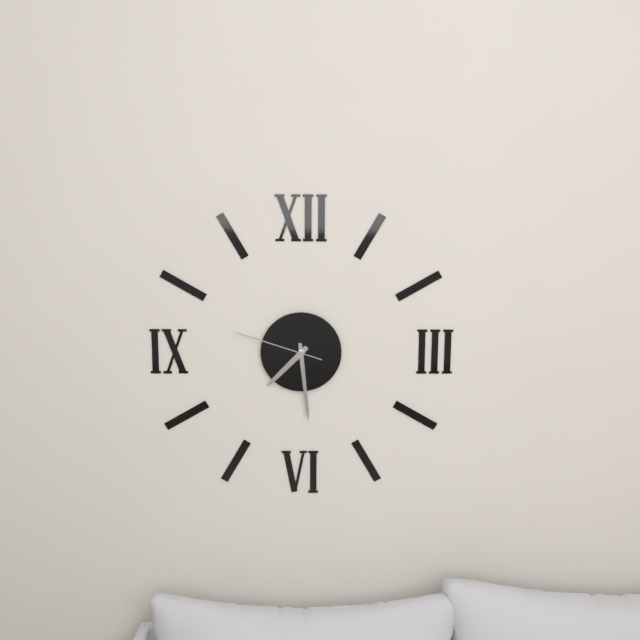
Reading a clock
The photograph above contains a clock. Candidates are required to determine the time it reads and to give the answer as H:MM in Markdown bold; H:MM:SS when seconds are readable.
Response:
**7:29:48**
